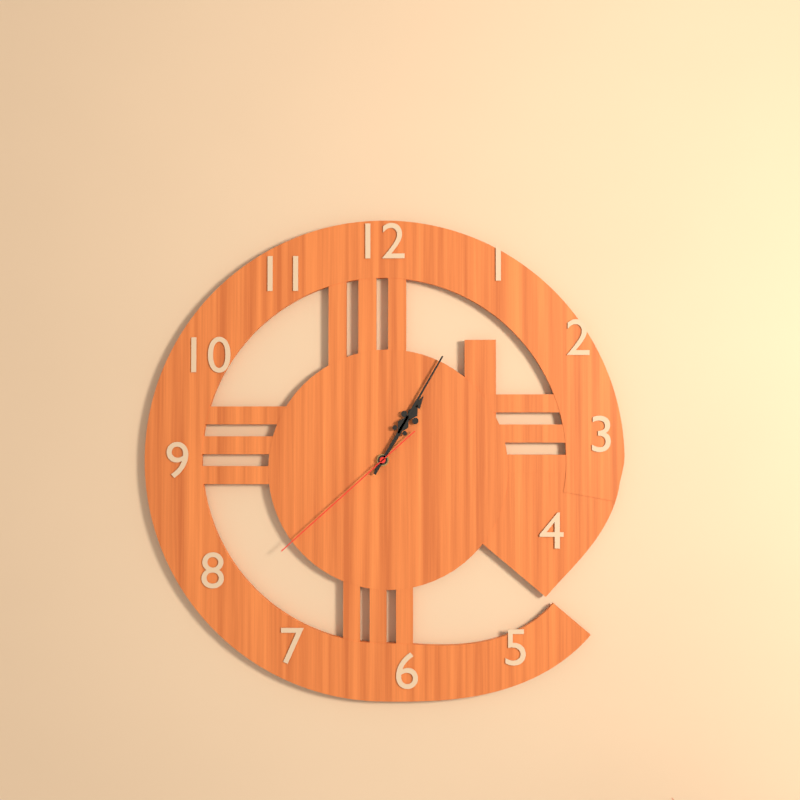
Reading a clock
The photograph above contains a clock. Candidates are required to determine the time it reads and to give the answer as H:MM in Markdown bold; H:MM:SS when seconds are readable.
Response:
**1:05:38**
